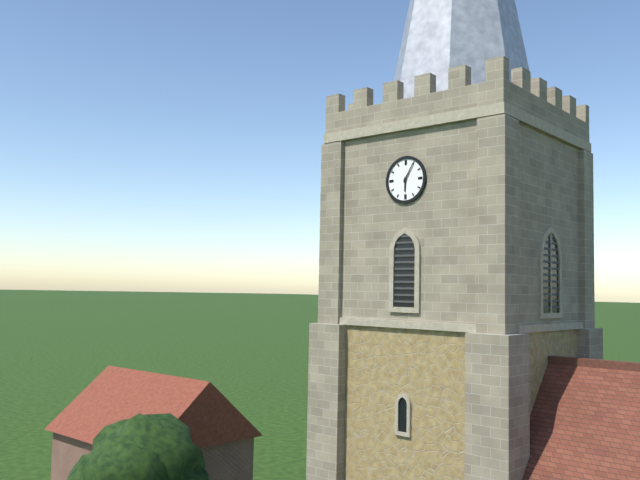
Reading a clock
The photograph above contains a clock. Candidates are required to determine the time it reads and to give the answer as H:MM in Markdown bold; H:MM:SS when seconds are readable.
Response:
**6:05**
